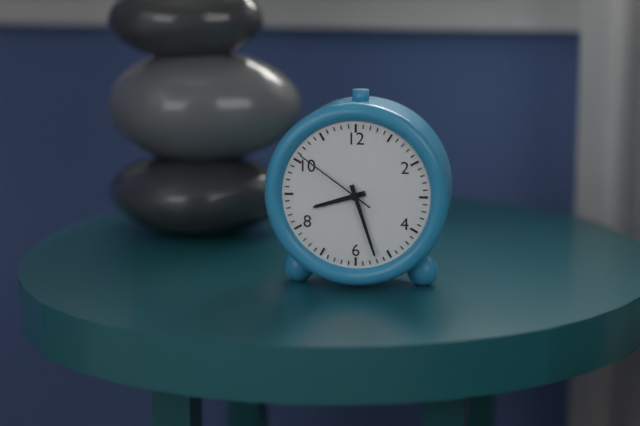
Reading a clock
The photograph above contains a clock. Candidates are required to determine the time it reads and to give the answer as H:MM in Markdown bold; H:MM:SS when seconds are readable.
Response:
**8:27:51**
